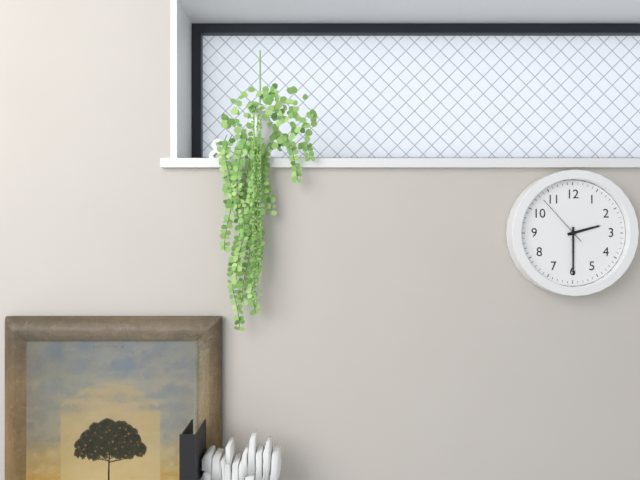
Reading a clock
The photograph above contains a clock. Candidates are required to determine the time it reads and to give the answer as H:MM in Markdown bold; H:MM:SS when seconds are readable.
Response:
**2:30:53**
